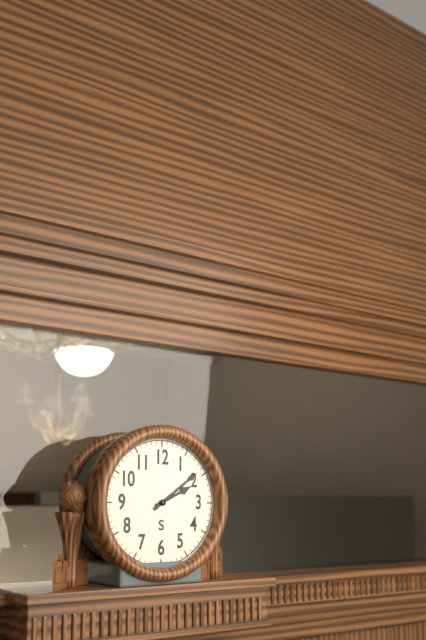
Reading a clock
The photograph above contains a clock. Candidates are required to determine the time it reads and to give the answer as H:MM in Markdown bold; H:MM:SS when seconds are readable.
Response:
**2:09**
